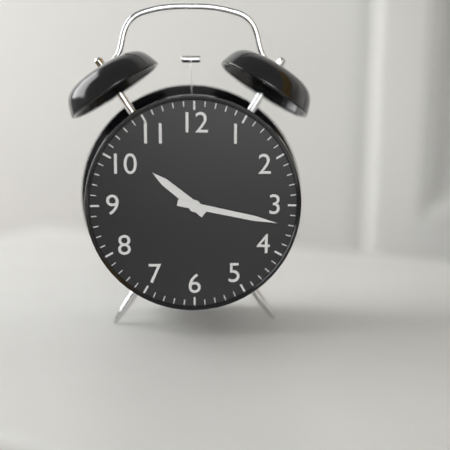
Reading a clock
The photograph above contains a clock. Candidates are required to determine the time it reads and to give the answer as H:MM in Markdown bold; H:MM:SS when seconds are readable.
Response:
**10:17**
